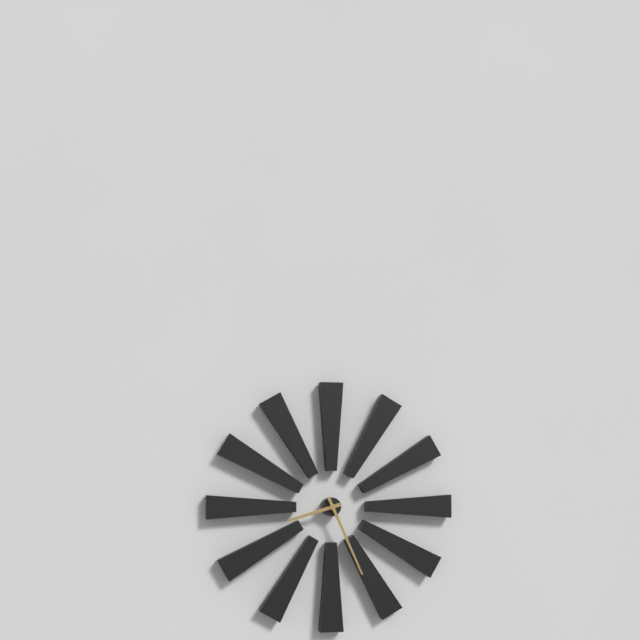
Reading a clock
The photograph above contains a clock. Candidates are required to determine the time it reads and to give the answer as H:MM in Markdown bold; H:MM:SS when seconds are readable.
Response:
**8:26**
